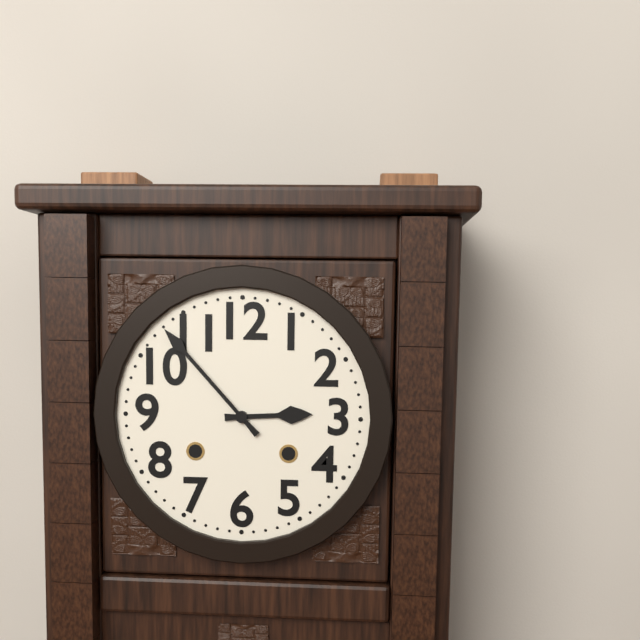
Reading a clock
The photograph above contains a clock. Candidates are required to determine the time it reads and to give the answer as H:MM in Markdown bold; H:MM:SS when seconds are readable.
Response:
**2:53**
